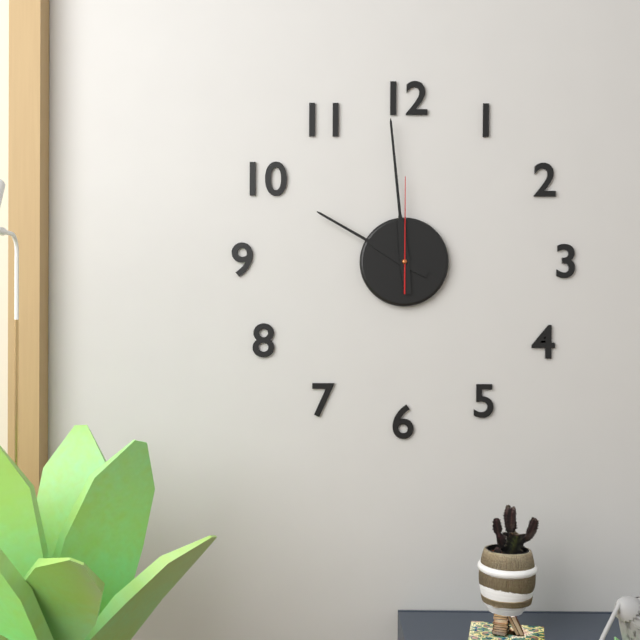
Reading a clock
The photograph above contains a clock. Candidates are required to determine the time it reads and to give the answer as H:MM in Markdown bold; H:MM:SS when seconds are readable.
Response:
**9:59:00**
